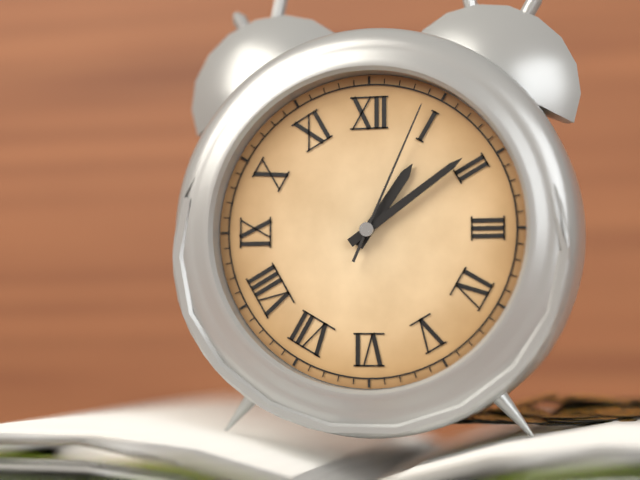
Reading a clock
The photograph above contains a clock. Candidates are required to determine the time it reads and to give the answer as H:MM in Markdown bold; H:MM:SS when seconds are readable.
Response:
**1:09:04**
